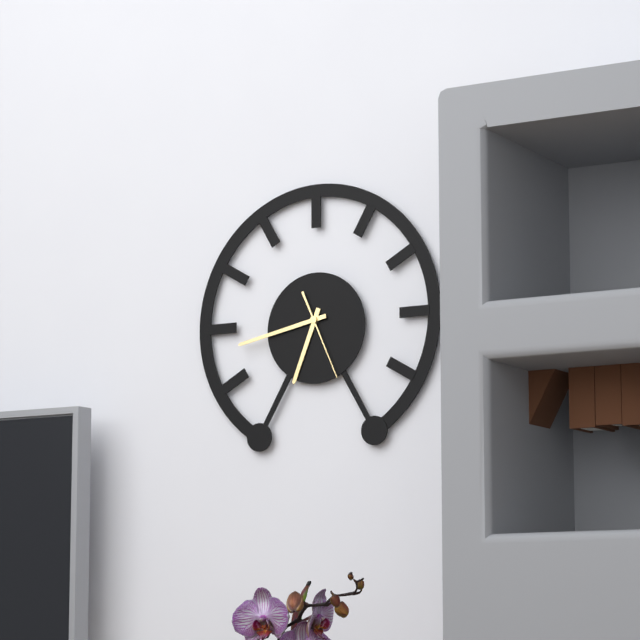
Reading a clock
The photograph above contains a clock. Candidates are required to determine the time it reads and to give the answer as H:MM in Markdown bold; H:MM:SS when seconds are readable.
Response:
**6:43:26**
